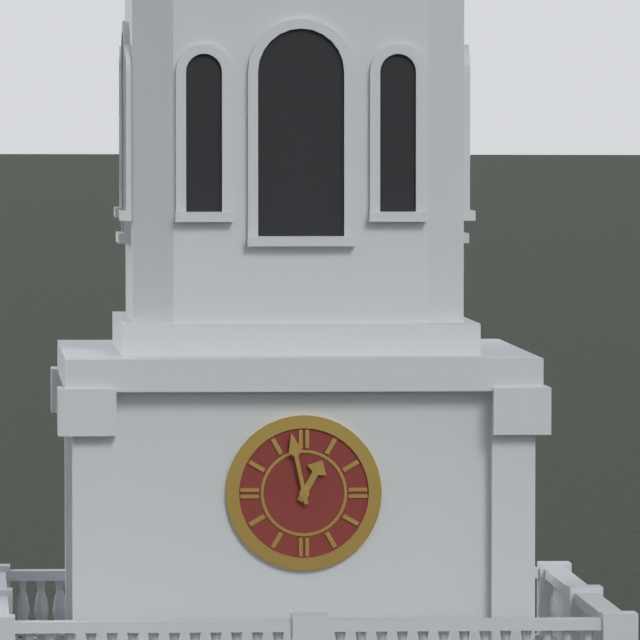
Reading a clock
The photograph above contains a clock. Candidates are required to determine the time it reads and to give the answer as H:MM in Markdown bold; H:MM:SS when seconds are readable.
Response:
**12:58**
